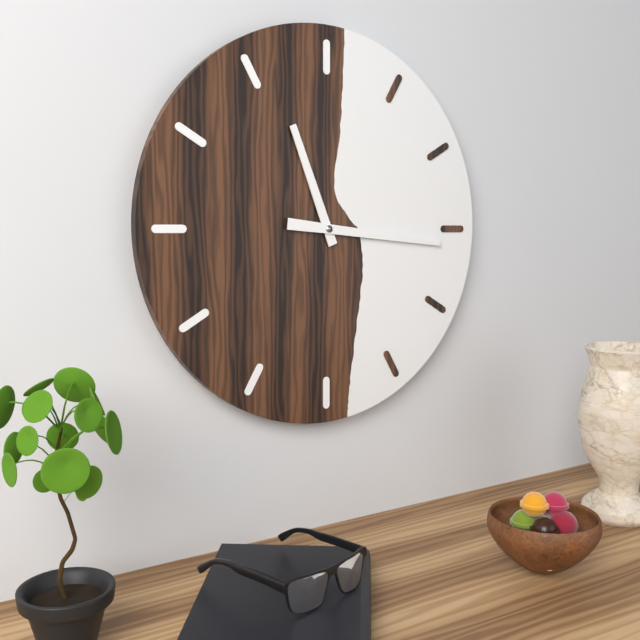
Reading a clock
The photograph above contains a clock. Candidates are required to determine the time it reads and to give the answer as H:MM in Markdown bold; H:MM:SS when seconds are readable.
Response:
**11:16**
